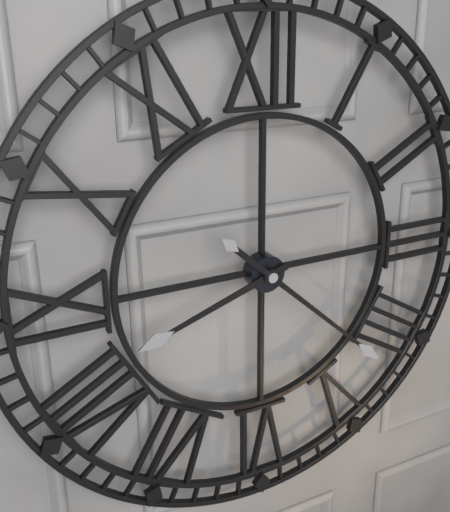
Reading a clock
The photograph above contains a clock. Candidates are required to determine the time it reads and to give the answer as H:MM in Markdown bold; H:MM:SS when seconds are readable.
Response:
**8:22**
